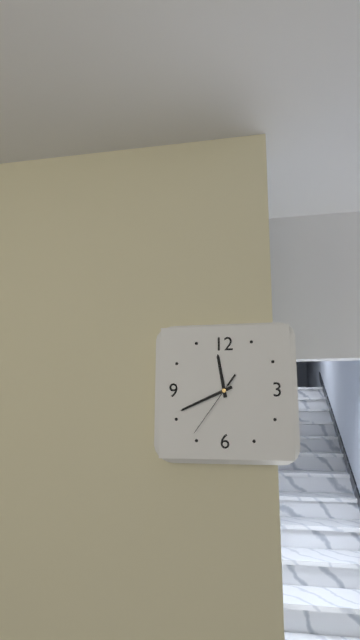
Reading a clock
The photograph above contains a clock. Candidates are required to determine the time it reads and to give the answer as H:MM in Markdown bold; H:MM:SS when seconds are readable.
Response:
**11:41:36**
